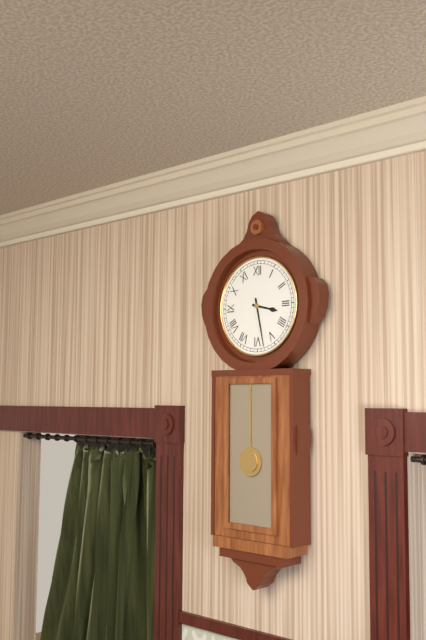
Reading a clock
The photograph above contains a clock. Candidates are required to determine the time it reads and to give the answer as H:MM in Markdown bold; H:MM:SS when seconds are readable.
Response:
**3:28**
